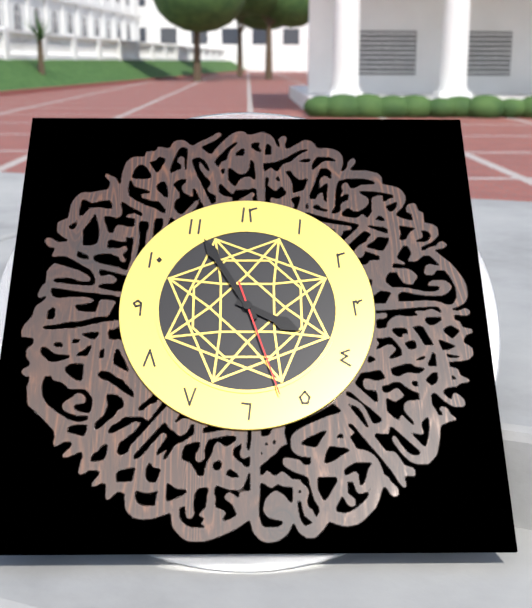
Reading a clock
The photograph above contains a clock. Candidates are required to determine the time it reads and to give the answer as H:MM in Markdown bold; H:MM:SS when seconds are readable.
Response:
**3:55:27**
